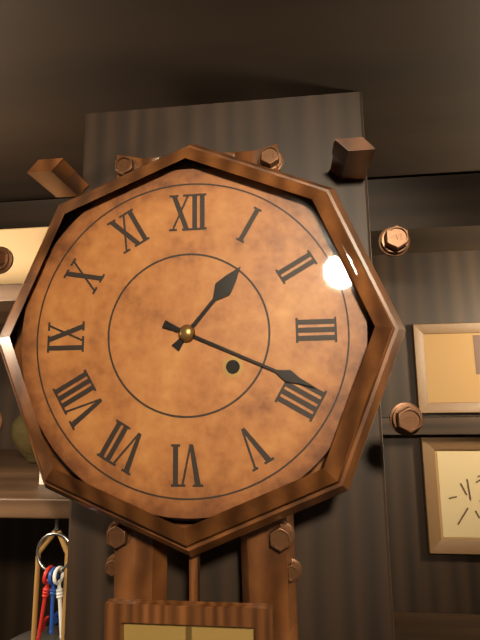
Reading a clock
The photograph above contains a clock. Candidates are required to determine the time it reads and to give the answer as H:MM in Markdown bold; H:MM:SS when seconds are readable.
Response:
**1:19**
